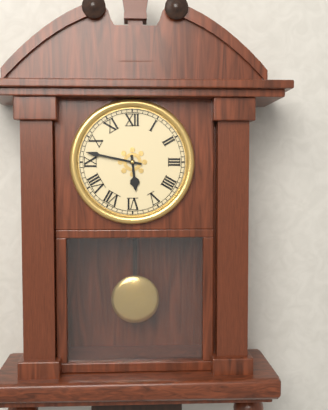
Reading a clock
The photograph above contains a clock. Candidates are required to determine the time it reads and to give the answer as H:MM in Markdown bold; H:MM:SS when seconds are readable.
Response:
**5:47**
